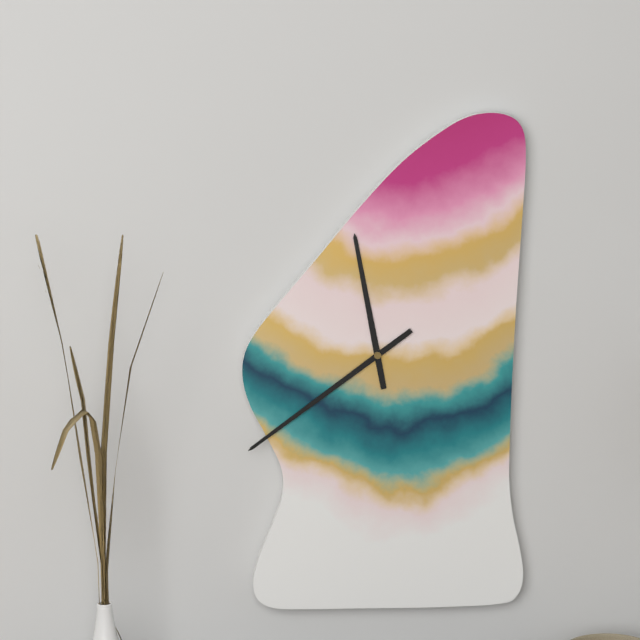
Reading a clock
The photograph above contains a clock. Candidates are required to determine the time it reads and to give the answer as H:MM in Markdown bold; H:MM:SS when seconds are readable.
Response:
**11:39**
